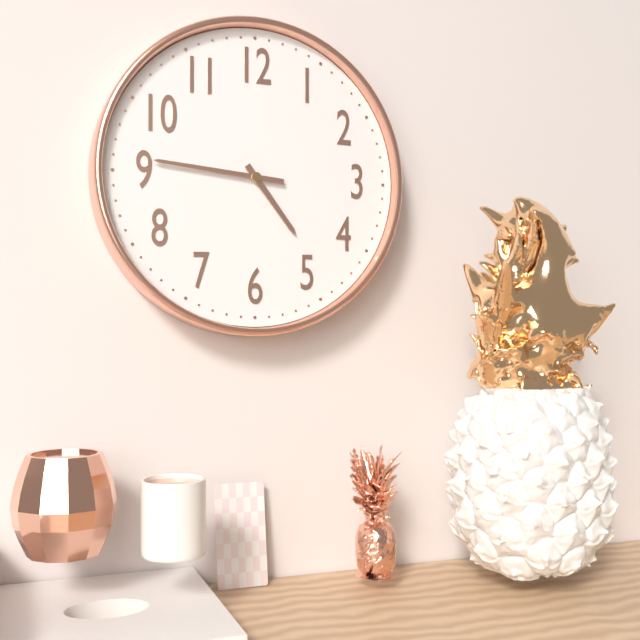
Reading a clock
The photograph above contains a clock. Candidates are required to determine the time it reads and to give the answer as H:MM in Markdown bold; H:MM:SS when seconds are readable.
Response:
**4:46**
